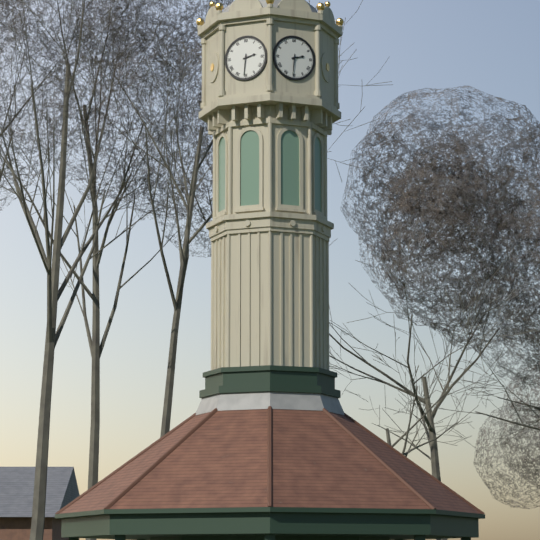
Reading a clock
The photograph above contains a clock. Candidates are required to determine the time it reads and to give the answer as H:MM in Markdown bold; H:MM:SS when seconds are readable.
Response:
**2:31**
